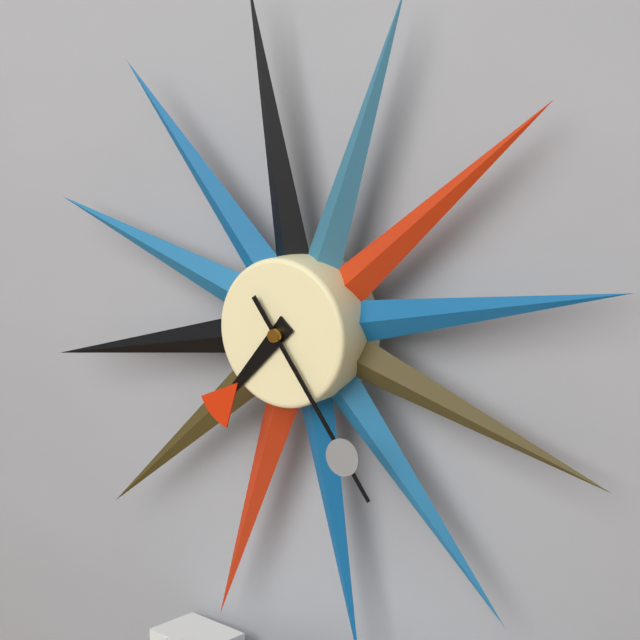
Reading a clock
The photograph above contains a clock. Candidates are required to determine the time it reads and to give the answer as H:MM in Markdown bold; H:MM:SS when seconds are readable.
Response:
**7:24**
